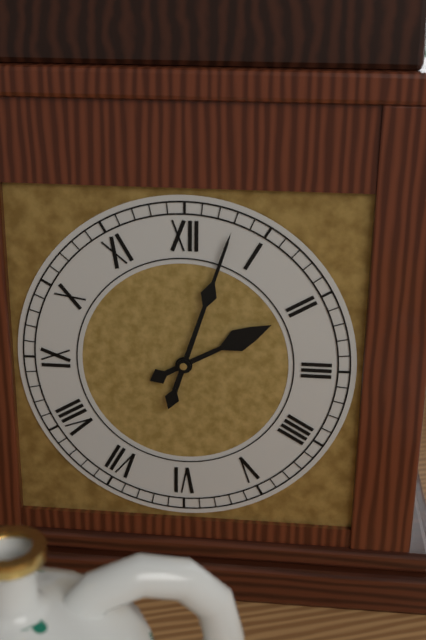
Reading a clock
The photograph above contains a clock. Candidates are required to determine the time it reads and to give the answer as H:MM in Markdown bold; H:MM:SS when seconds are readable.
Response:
**2:03**
